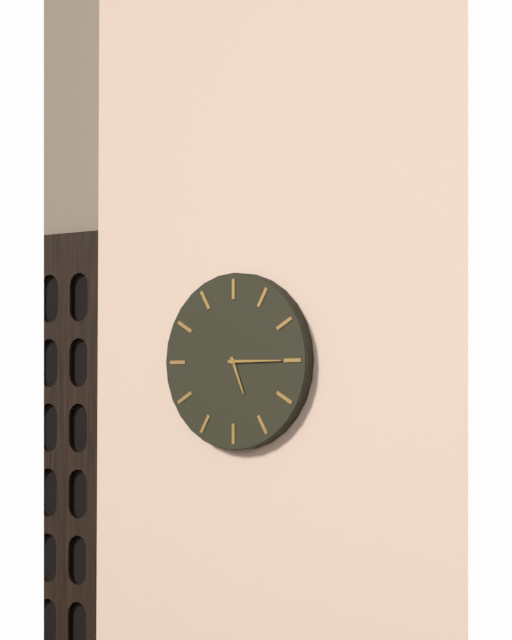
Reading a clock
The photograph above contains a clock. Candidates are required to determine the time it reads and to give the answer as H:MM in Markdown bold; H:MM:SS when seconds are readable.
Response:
**5:15**
